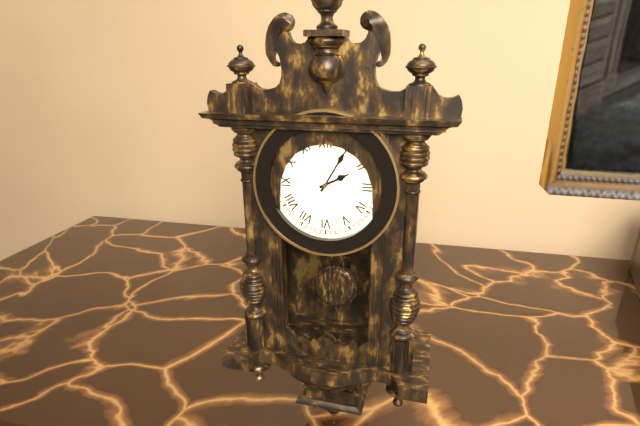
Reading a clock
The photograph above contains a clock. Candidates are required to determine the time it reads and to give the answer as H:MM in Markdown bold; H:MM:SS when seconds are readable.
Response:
**2:05**
